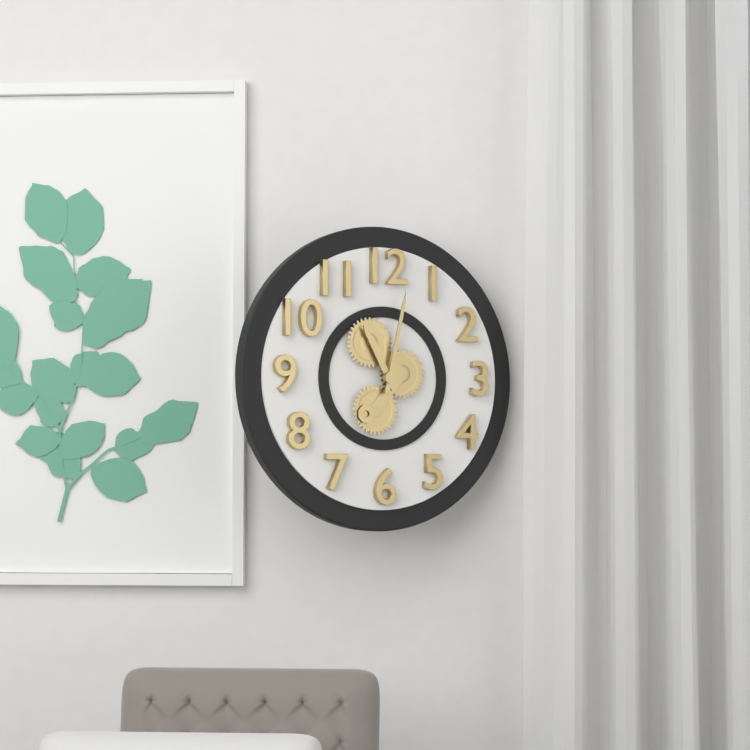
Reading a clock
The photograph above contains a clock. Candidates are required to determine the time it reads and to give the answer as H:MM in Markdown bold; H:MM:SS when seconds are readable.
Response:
**11:02**
